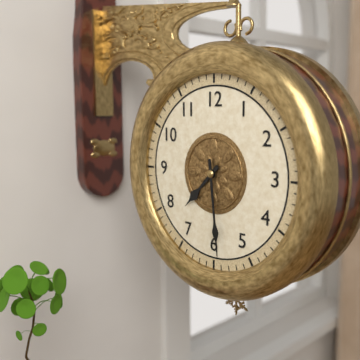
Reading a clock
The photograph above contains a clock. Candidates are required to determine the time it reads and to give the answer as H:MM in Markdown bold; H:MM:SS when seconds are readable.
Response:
**7:29**
